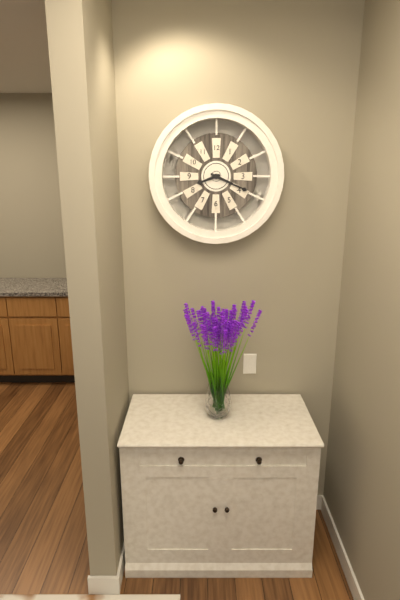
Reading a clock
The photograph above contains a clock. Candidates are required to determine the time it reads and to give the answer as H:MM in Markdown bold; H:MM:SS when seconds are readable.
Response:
**8:19**
